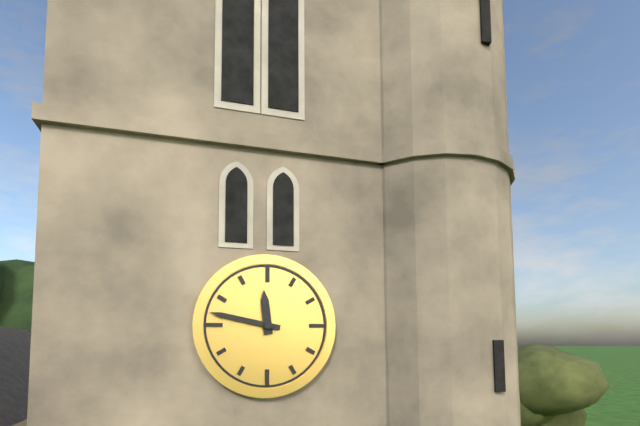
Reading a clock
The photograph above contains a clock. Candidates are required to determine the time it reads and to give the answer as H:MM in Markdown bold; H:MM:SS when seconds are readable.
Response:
**11:47**
